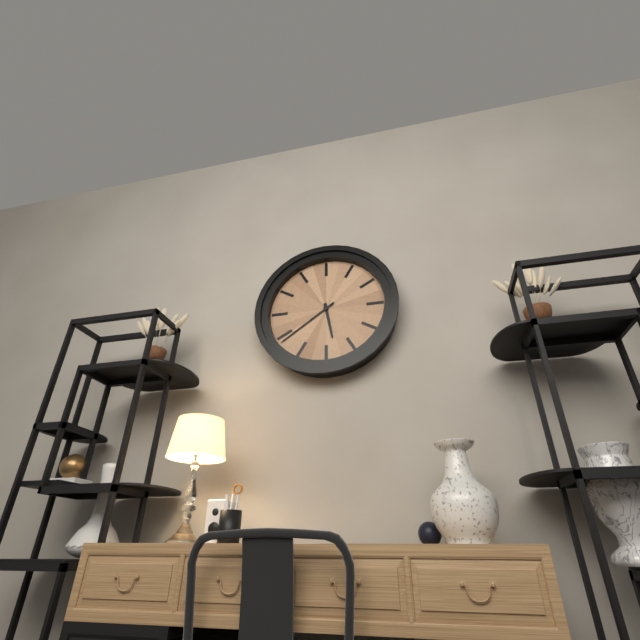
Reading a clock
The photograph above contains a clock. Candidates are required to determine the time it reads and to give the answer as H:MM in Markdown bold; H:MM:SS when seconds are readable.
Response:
**5:39**
